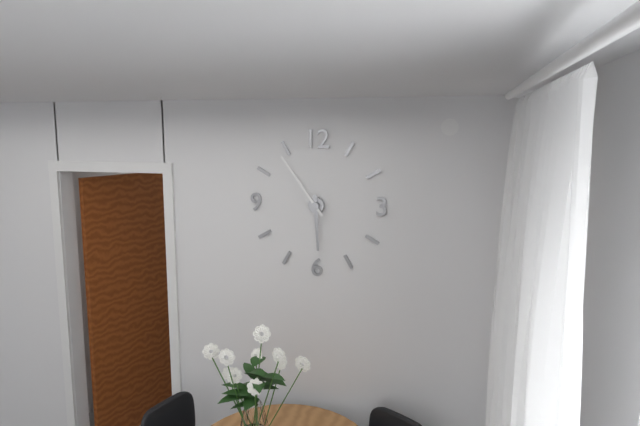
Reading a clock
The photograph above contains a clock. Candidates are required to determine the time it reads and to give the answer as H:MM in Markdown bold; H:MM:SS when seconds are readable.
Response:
**5:54**
